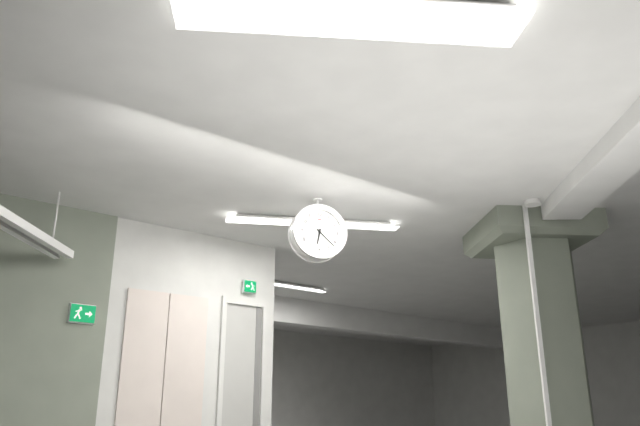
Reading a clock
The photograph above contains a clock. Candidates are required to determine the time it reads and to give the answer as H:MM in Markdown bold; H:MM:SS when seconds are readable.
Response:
**6:22**
